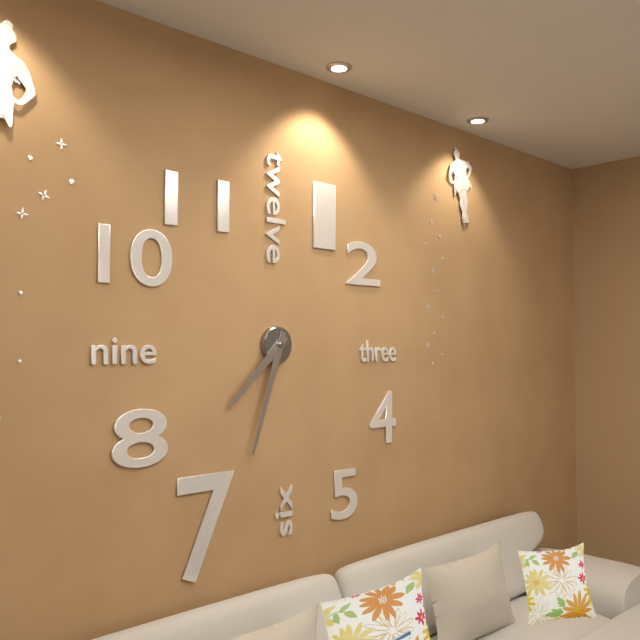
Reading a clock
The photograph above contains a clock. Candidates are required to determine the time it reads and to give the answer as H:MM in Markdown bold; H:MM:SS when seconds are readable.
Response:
**7:33**
